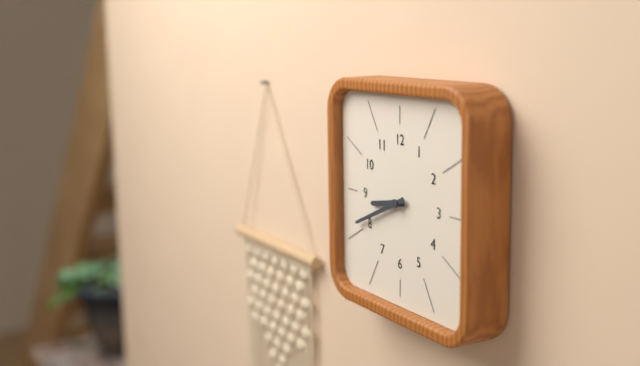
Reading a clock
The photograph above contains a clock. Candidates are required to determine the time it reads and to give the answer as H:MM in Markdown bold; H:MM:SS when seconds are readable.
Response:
**8:41**
